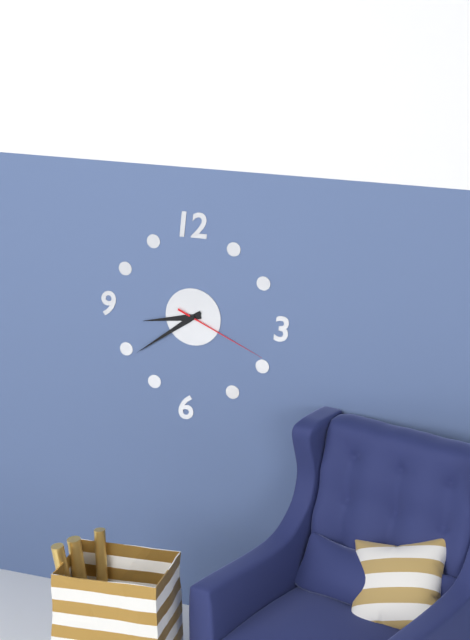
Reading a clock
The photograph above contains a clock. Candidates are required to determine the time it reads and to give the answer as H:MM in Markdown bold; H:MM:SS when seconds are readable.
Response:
**8:39:19**
